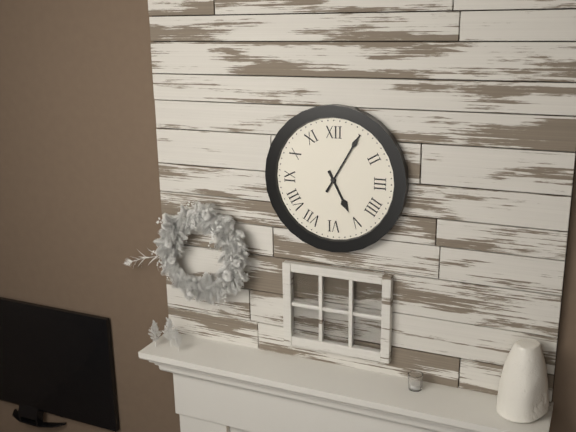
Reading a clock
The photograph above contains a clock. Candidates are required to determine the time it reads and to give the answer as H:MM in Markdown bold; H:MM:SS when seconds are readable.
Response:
**5:05**
